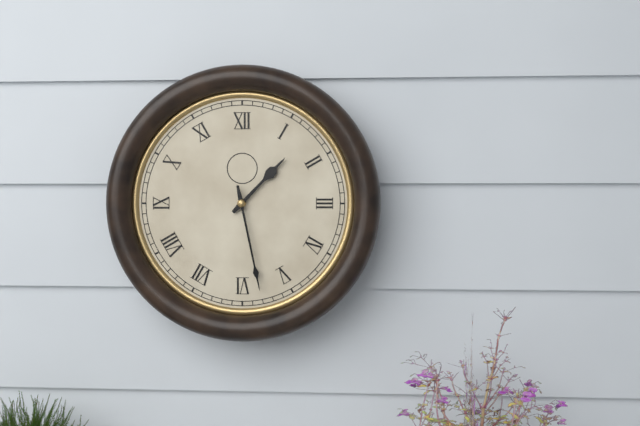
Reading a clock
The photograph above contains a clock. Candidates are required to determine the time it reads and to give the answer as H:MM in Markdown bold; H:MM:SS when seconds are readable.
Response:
**1:28**
